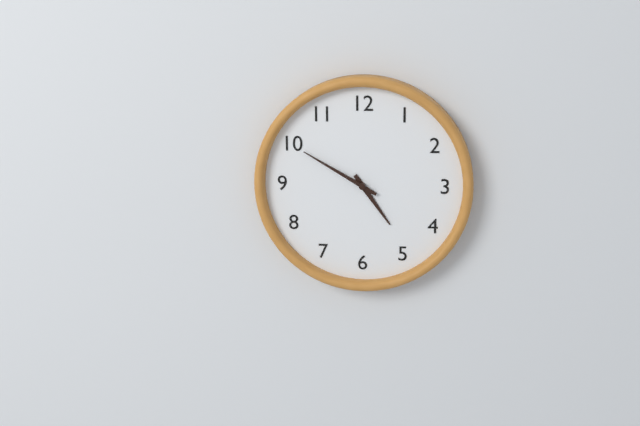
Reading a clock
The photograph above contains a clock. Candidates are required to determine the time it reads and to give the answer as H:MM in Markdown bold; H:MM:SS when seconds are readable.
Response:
**4:50**
